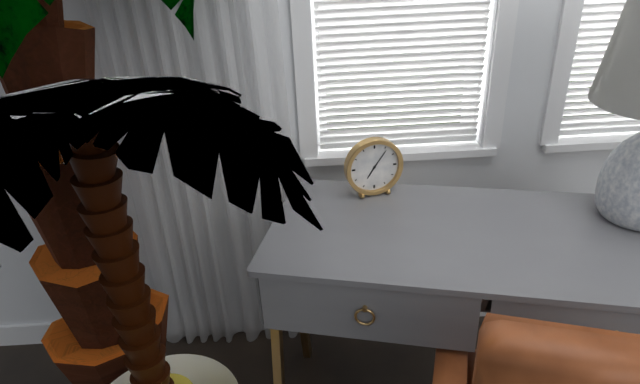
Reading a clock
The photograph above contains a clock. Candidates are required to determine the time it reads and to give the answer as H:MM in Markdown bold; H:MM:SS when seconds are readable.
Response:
**7:06**
